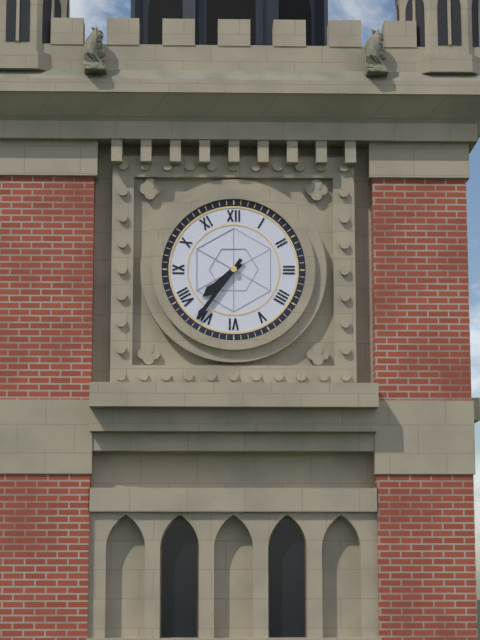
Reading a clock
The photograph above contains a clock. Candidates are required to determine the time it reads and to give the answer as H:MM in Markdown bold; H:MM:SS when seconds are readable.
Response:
**7:36**
